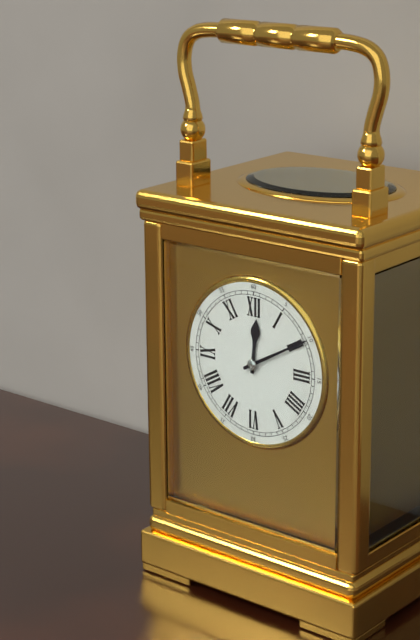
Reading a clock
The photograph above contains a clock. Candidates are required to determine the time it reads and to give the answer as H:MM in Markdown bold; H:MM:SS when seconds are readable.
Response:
**12:10**
